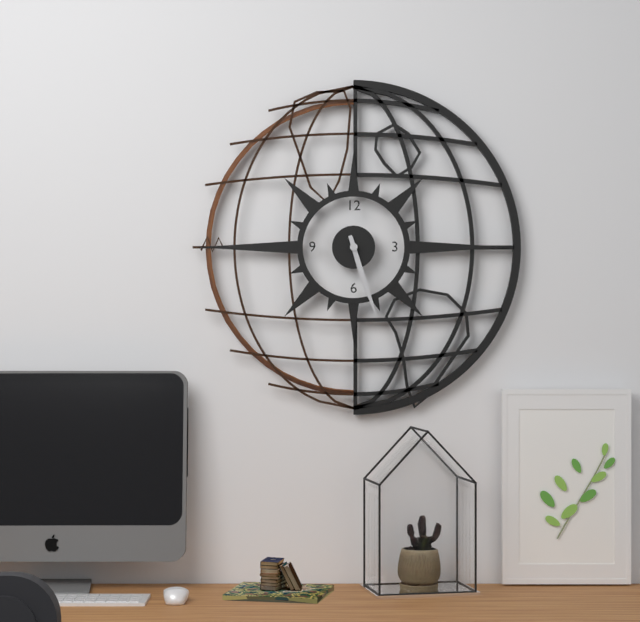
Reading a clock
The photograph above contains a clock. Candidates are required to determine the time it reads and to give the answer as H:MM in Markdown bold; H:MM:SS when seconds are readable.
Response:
**5:27**
